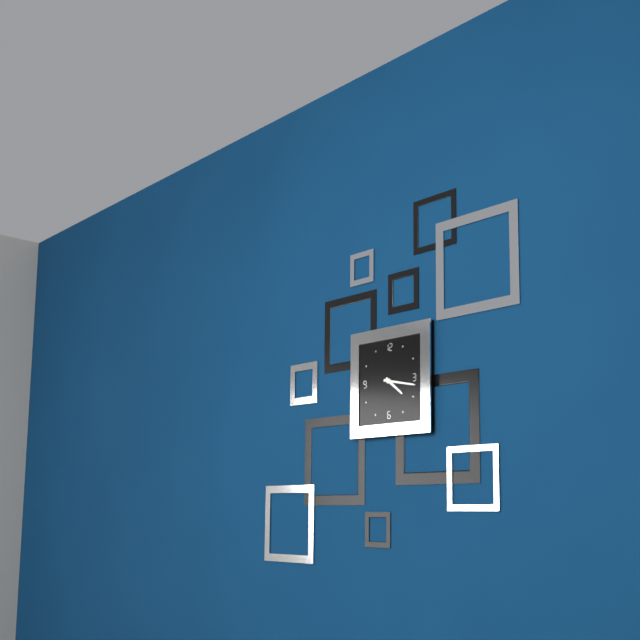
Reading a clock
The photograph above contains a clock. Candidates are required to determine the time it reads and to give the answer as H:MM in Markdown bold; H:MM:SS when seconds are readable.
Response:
**4:17**
